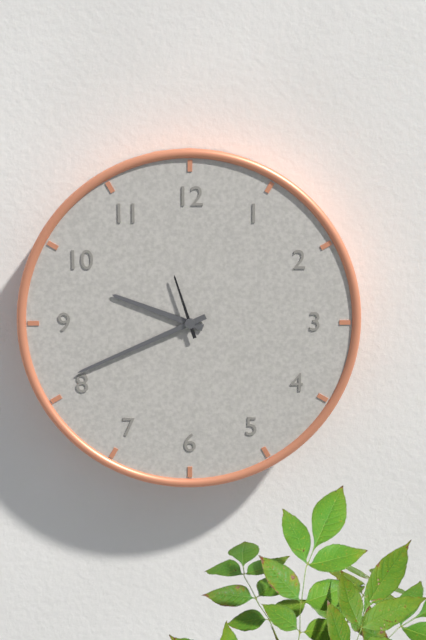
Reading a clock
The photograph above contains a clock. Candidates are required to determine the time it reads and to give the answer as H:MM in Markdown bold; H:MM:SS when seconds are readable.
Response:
**9:41:57**
